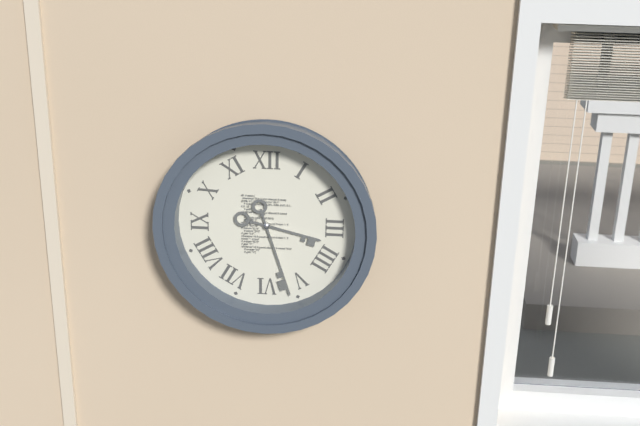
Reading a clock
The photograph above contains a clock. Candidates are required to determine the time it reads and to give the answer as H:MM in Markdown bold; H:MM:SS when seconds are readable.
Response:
**3:27**
